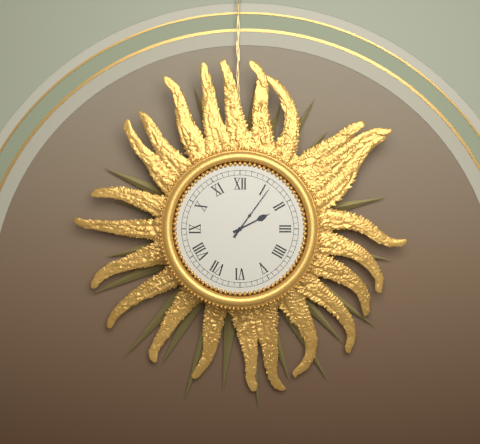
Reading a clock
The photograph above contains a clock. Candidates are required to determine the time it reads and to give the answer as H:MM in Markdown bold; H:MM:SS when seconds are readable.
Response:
**2:06**
